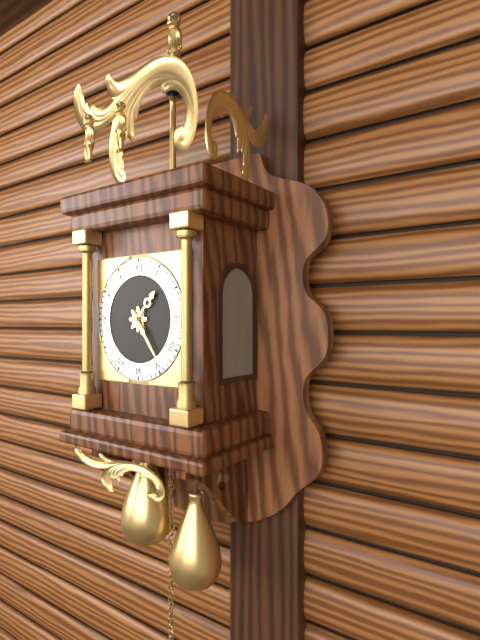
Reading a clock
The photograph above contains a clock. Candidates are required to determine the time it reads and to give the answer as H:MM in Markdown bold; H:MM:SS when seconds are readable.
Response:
**1:24**
